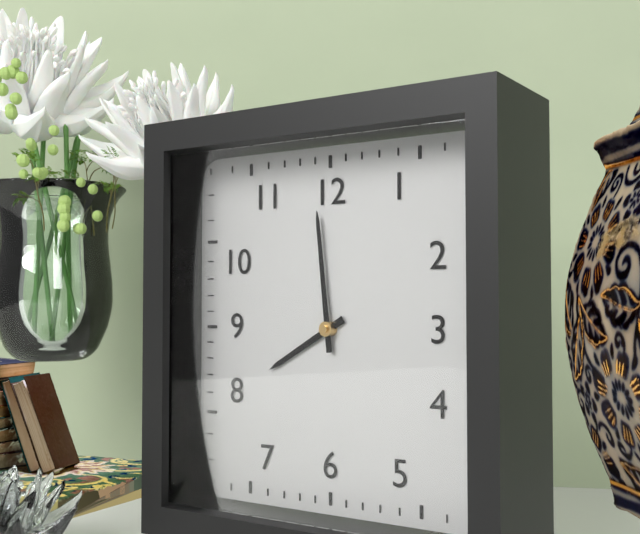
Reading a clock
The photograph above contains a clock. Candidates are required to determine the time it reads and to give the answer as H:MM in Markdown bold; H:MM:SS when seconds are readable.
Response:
**7:59**
